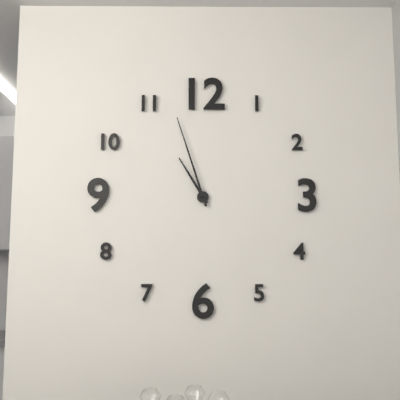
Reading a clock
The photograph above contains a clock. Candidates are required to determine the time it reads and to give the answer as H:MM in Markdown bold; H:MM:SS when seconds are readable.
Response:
**10:57**
